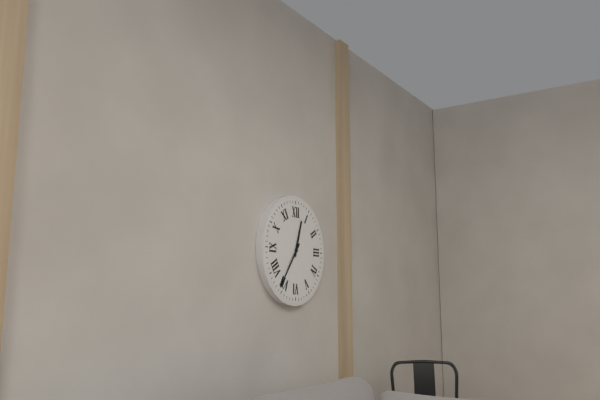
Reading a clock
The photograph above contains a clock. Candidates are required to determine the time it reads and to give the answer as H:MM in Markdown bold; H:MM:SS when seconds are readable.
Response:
**12:36**
